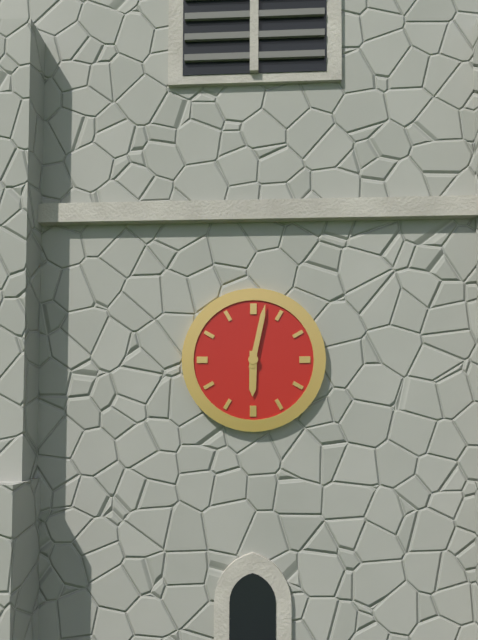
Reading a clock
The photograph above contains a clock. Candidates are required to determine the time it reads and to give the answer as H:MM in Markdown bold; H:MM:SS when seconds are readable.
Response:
**6:02**
